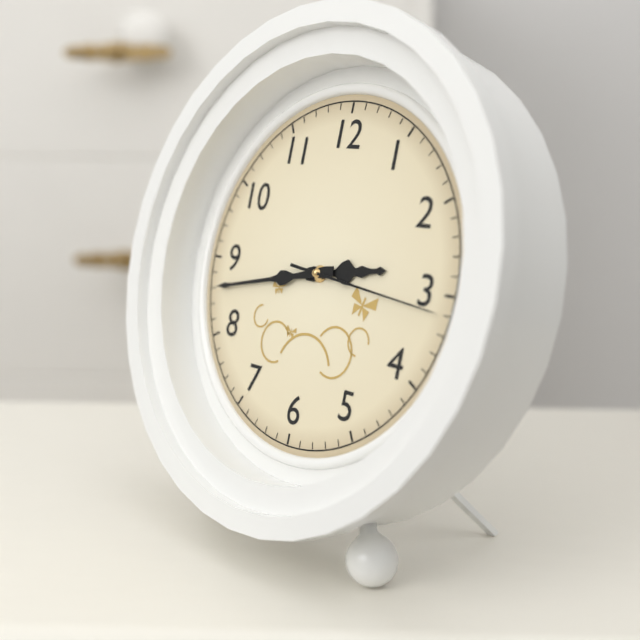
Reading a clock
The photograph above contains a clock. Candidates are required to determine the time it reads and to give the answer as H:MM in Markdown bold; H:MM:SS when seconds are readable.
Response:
**2:43:16**
